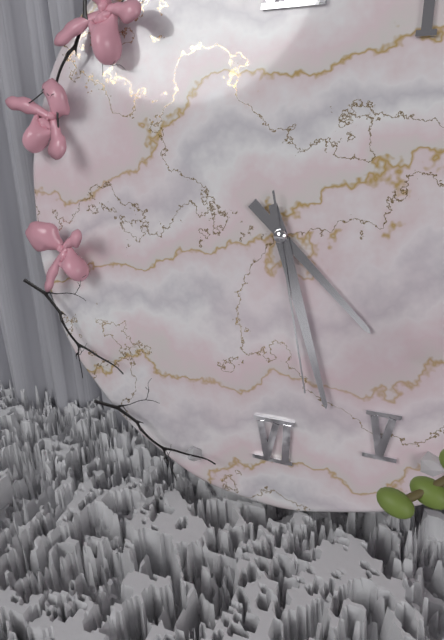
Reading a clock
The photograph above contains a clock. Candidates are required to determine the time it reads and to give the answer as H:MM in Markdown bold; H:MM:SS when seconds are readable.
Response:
**4:27:28**
